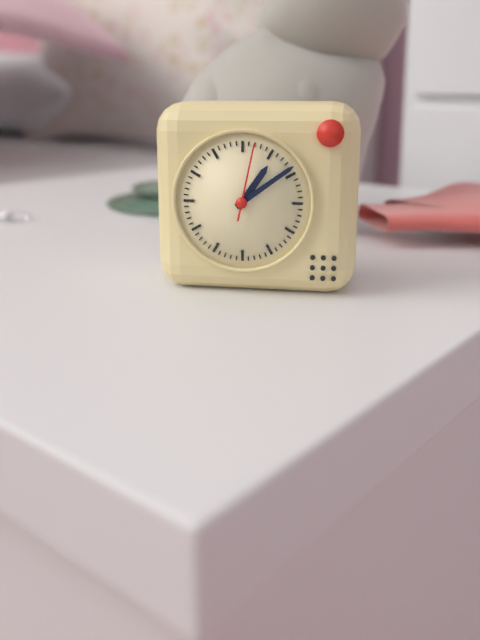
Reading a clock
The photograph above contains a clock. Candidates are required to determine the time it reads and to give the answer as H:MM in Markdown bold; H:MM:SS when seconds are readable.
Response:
**1:09:02**
